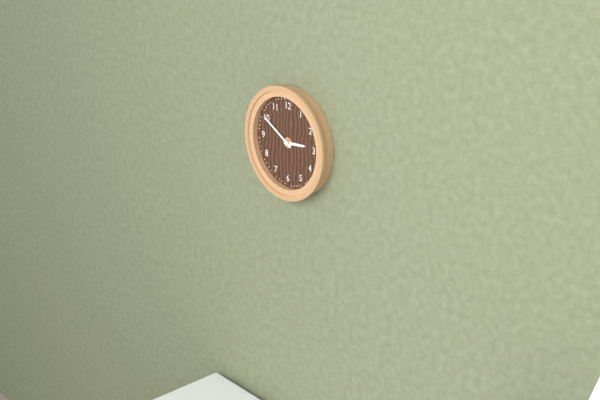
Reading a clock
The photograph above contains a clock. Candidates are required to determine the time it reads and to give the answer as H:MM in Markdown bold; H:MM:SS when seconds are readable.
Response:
**2:50**
